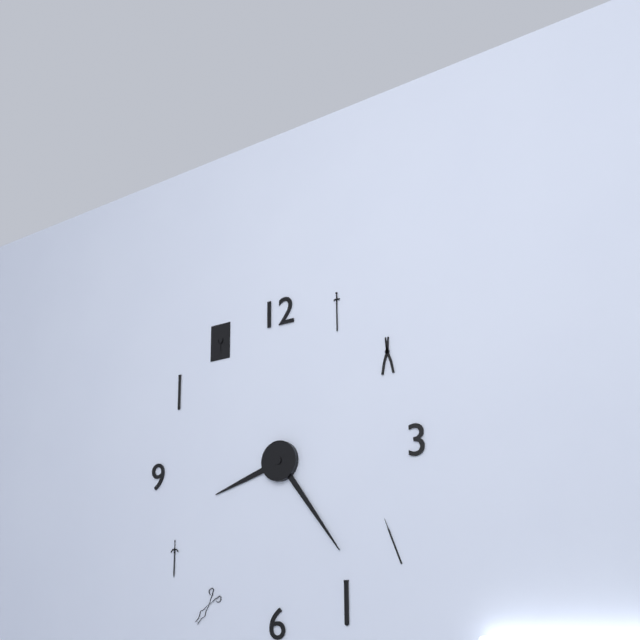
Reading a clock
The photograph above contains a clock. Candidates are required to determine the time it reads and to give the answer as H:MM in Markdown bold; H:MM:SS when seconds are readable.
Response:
**8:24**
